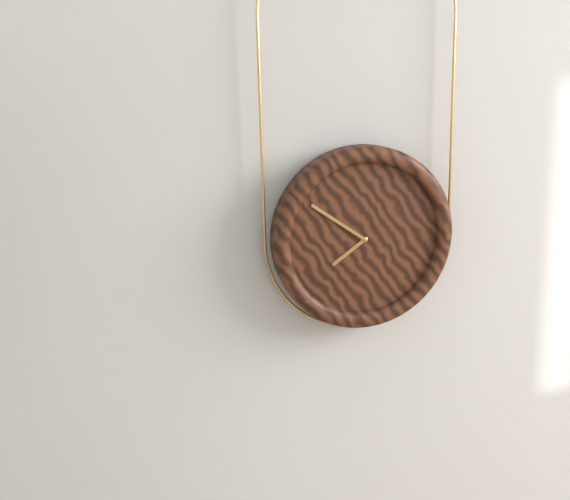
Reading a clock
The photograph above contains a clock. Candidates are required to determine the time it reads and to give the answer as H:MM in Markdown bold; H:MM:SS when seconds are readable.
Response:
**7:51**
